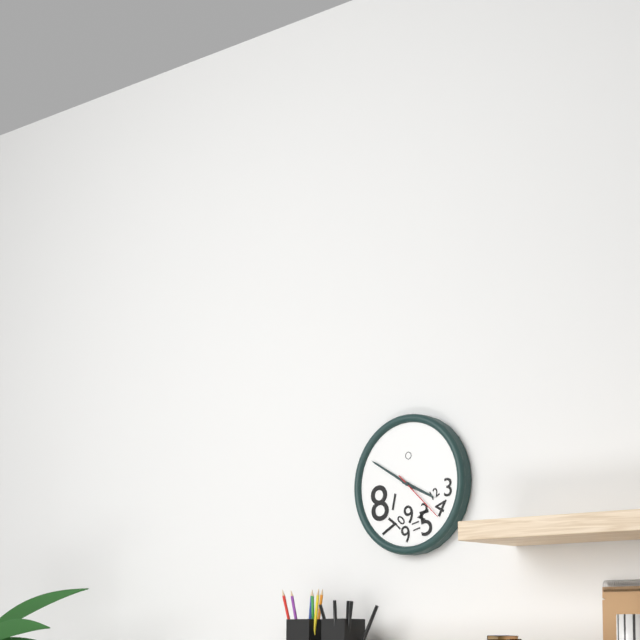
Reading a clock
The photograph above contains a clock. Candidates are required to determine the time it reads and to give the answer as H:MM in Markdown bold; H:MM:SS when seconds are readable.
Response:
**3:50:22**
